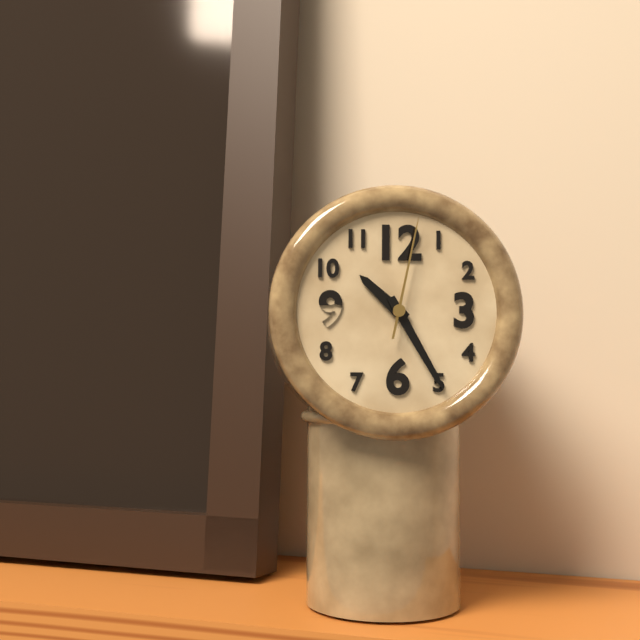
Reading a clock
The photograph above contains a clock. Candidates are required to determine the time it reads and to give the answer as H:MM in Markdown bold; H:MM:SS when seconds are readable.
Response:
**10:25:02**
